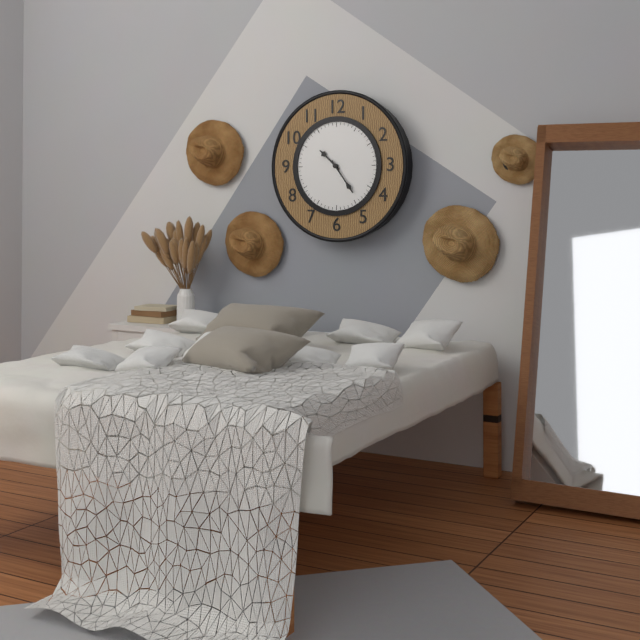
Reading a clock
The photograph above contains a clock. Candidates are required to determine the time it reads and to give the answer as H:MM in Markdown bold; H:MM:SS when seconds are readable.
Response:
**10:24**
